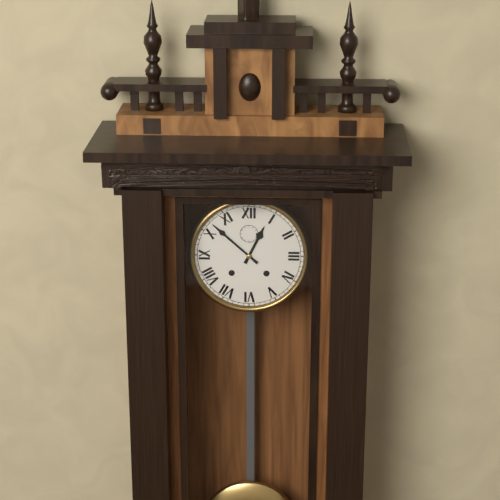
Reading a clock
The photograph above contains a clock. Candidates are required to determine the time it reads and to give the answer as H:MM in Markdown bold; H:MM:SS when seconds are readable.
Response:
**12:52**
